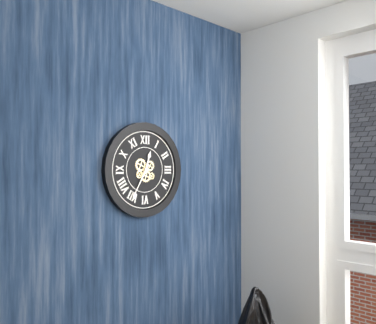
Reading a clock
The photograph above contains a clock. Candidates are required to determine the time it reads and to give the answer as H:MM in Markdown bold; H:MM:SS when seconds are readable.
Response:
**12:35**
